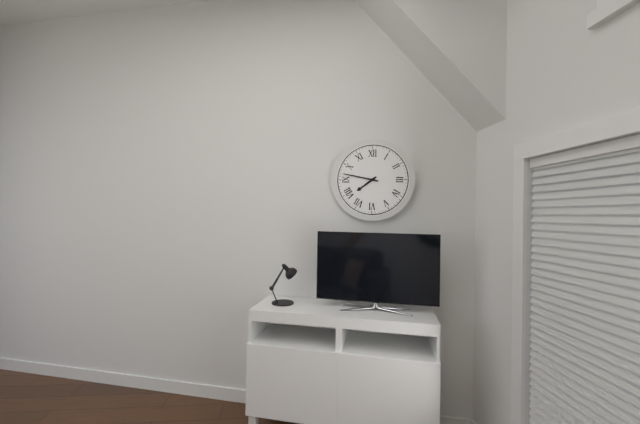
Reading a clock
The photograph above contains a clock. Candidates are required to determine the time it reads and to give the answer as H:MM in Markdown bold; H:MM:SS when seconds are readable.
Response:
**7:47**
